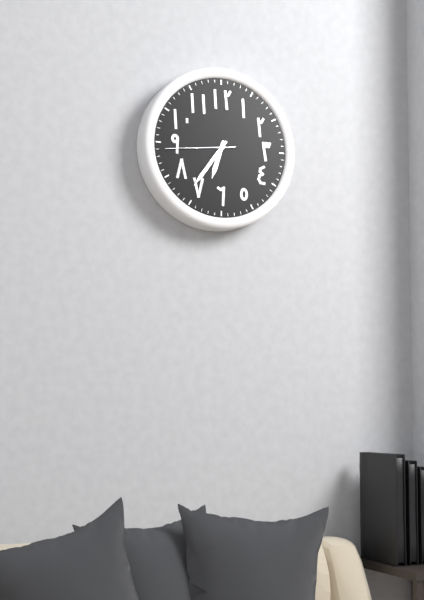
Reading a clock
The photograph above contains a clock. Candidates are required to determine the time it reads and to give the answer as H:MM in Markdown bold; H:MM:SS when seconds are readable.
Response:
**6:36:44**
